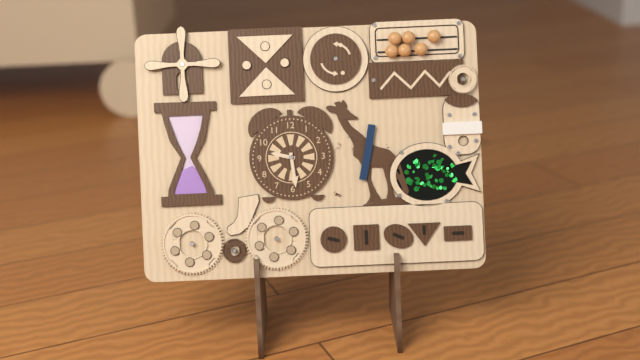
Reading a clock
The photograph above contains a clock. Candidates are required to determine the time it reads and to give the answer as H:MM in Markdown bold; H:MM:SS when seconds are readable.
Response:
**9:29**
